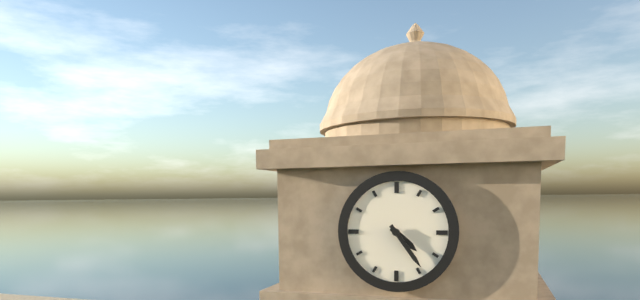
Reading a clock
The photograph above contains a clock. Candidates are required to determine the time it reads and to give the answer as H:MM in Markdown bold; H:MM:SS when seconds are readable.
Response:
**4:24**
